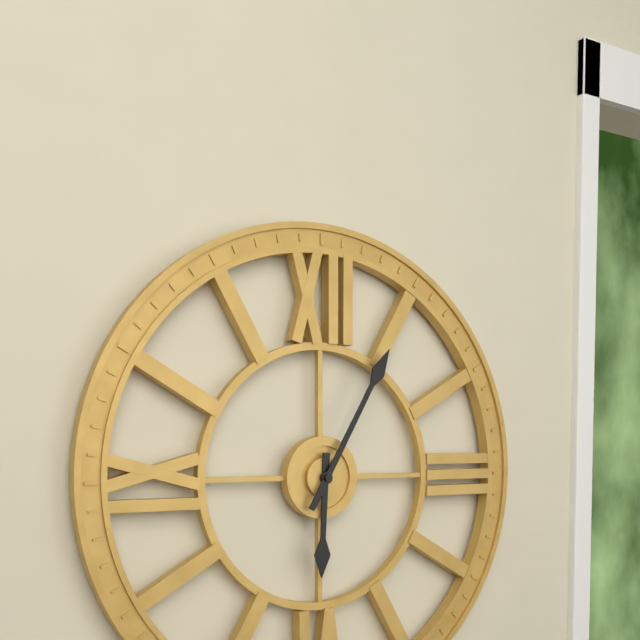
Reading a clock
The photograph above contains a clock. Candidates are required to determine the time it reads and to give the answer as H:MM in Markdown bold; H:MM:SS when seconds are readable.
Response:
**6:05**
